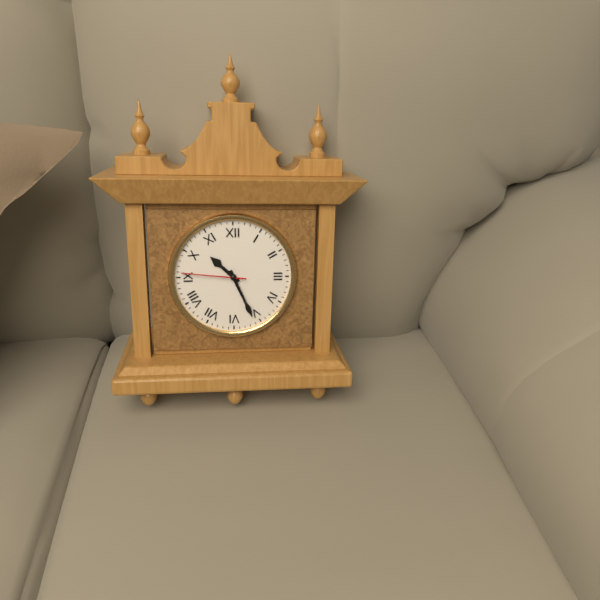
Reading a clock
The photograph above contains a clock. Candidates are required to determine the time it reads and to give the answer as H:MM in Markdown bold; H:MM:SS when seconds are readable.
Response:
**10:26:46**
